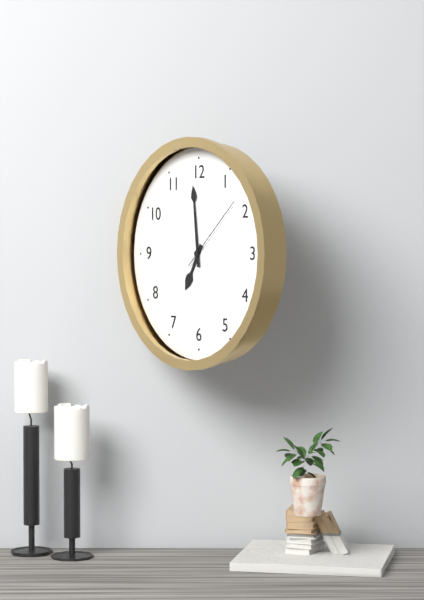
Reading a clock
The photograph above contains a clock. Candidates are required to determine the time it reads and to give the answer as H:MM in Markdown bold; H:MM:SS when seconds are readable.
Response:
**6:59:08**
